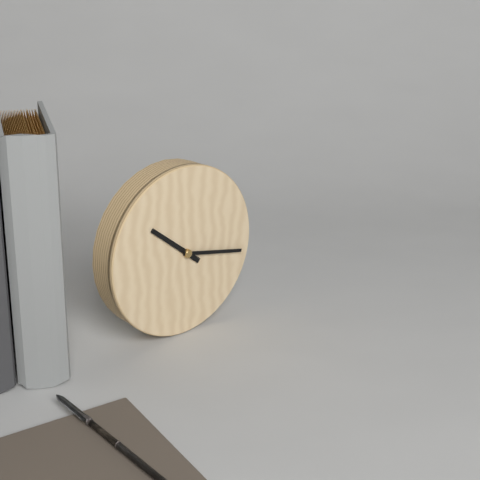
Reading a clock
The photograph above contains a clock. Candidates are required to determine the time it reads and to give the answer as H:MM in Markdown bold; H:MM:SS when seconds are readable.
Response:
**10:17**
